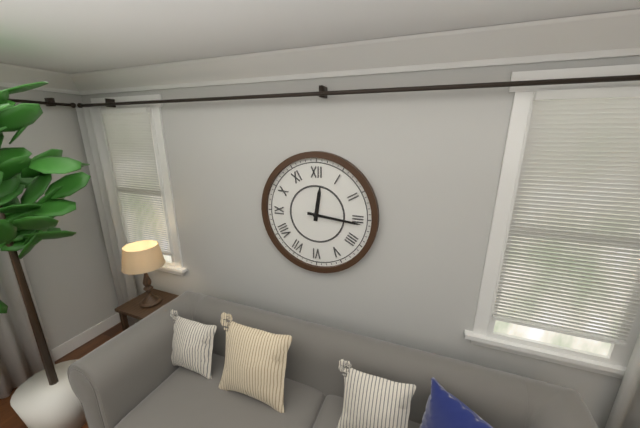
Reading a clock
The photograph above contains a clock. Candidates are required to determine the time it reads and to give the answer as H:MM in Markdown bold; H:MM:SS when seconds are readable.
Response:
**12:16**
